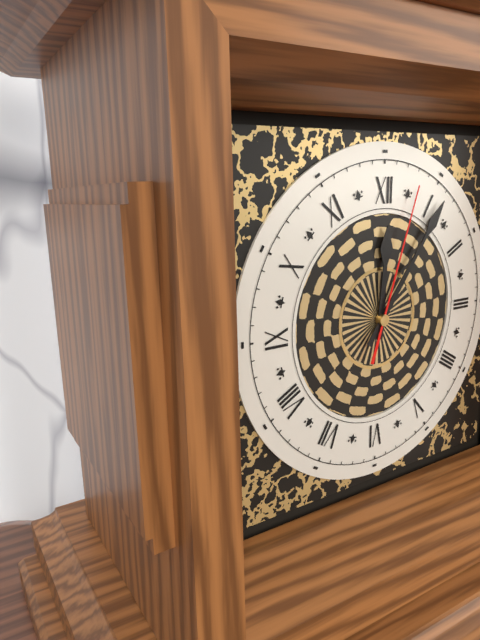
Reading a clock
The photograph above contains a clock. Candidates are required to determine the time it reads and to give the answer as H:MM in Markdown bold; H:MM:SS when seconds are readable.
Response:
**12:06:03**
